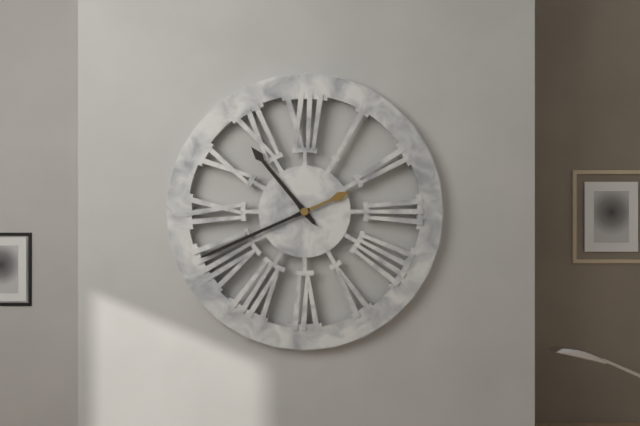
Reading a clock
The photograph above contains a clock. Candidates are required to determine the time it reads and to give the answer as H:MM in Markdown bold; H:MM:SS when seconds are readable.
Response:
**10:41**
